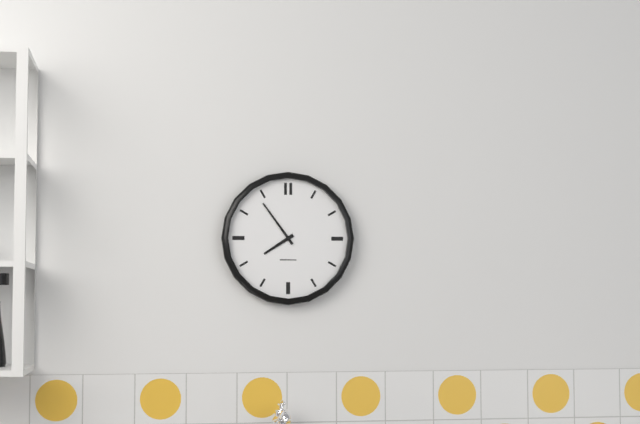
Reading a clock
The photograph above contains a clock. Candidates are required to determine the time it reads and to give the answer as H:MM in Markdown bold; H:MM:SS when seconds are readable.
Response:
**7:54**
